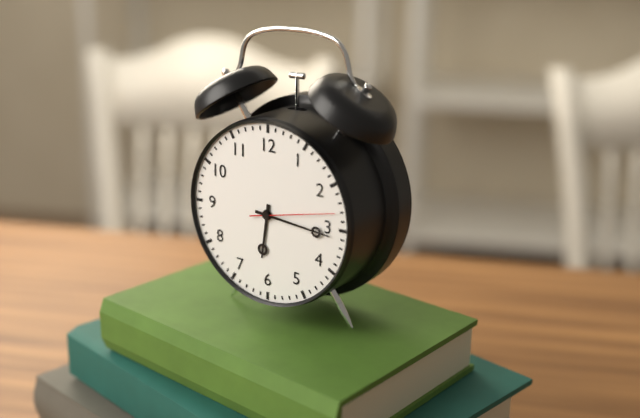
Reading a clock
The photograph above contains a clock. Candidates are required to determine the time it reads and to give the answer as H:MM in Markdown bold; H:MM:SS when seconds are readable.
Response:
**6:16:13**
